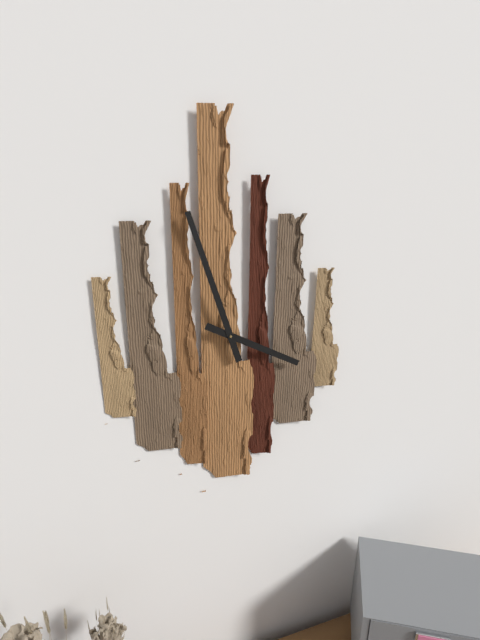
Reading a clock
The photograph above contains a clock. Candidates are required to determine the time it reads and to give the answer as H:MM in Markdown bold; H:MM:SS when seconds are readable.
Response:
**3:57**
